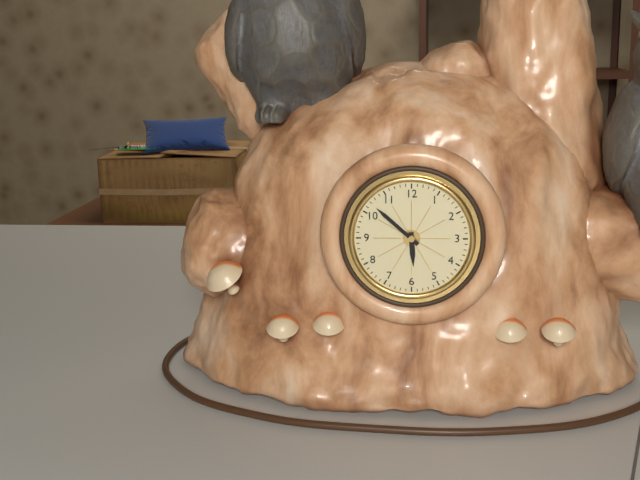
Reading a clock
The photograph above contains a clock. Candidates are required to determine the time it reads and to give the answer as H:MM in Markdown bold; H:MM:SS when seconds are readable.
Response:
**5:52**
